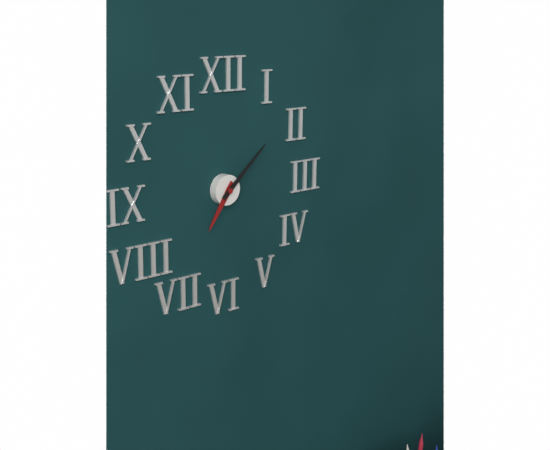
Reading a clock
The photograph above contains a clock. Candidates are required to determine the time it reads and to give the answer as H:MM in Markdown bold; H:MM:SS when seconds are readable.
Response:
**7:08**
